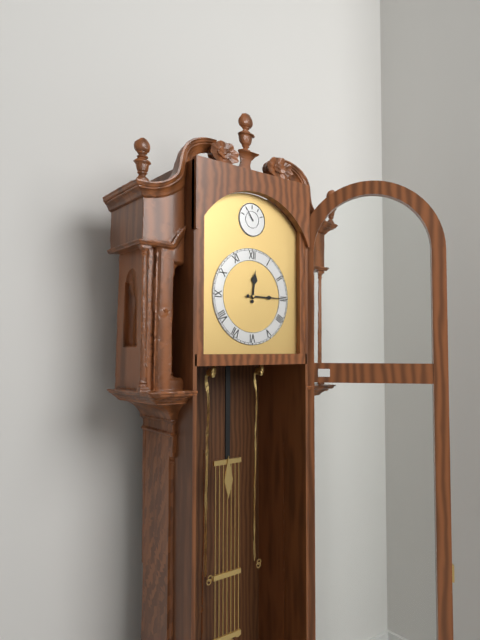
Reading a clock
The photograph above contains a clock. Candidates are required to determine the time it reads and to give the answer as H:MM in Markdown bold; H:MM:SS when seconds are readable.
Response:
**12:15**
